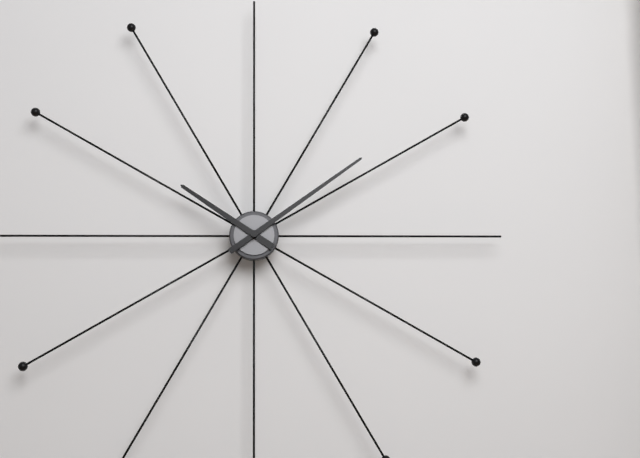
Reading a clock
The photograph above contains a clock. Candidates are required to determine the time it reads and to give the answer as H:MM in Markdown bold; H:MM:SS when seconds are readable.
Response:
**10:09**
